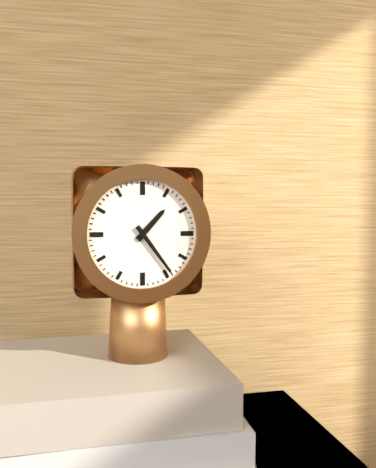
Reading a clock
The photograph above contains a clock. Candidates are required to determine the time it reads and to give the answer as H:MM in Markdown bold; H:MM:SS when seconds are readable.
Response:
**1:24**
